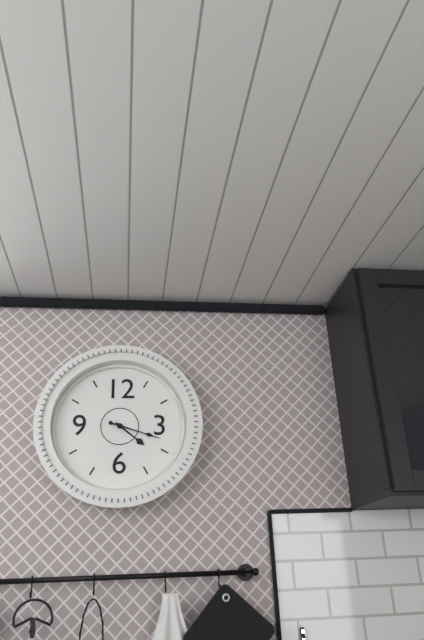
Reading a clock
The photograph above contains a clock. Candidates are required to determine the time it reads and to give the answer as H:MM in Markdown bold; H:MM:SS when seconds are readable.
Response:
**4:18**
